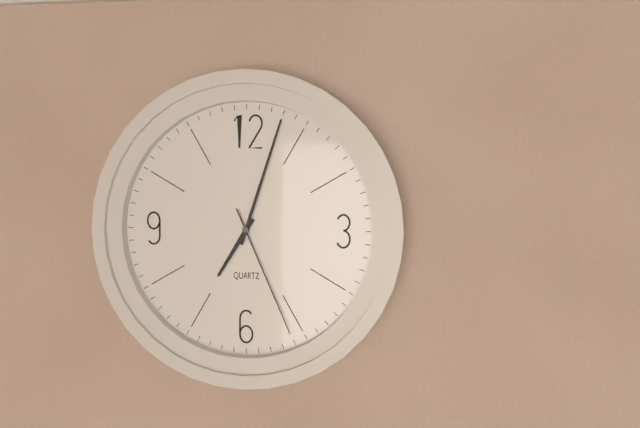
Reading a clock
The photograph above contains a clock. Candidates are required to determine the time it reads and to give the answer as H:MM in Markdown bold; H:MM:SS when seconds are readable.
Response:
**7:03:26**
